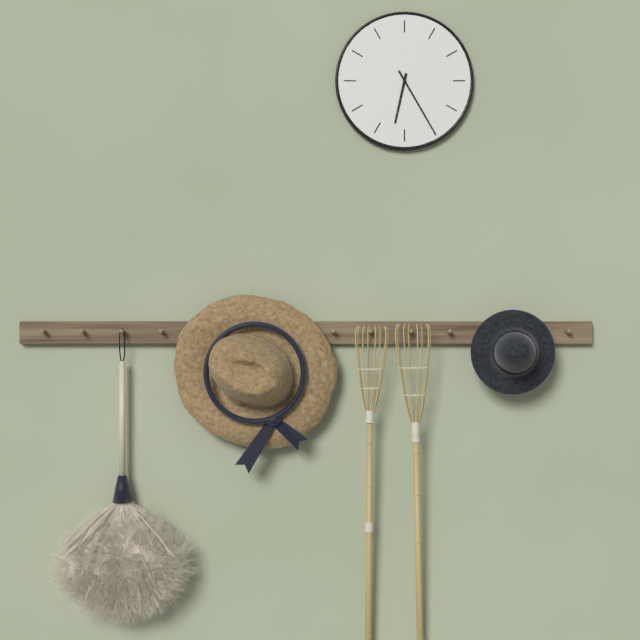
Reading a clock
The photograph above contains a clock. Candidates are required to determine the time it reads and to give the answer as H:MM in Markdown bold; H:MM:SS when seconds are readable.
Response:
**6:25**
